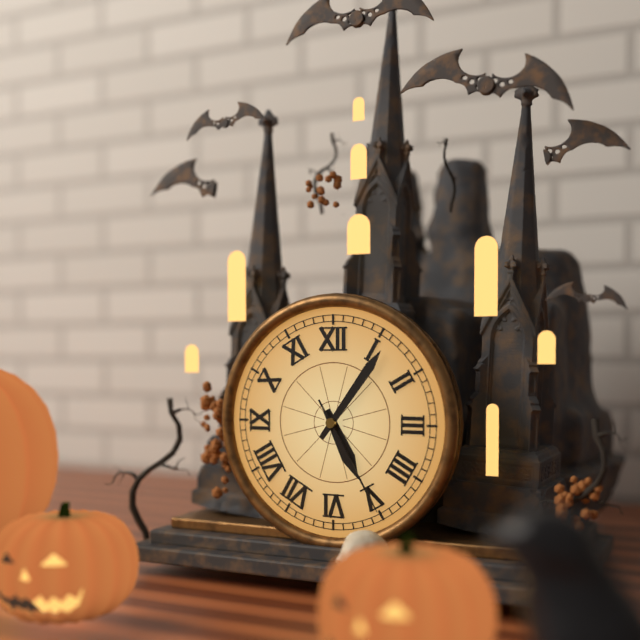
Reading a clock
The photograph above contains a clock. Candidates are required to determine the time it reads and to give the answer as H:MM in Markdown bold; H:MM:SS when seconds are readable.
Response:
**5:06:25**
